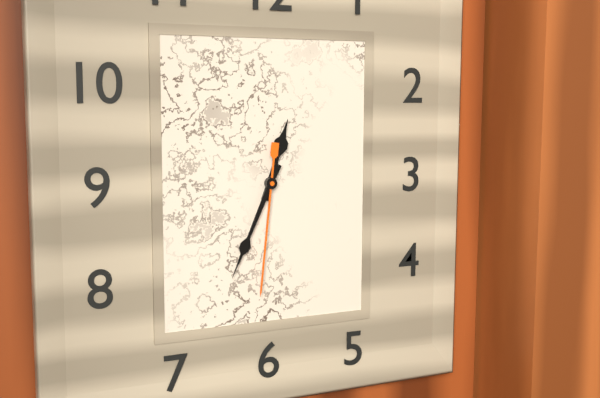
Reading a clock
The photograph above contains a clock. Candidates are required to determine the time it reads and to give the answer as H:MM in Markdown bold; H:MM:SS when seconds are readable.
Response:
**12:34:31**
